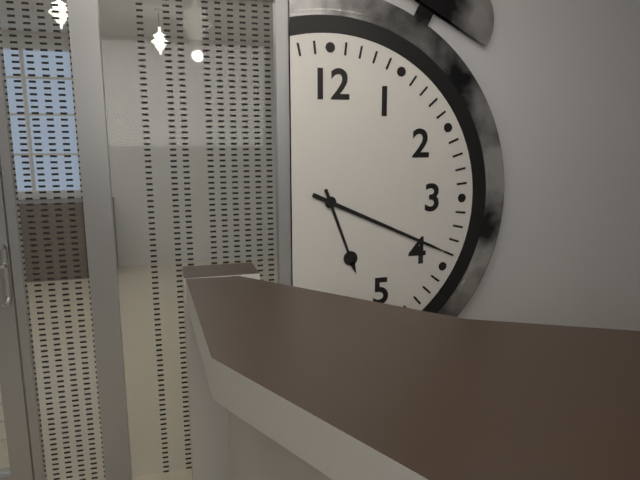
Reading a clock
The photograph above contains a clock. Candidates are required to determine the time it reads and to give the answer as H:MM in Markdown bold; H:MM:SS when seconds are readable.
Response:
**5:19**
